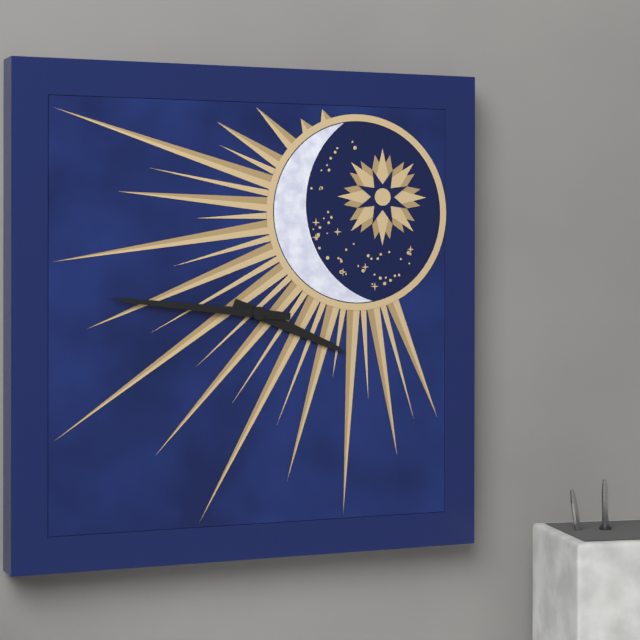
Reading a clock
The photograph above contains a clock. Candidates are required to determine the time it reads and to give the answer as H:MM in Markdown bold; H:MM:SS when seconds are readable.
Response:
**3:46**
